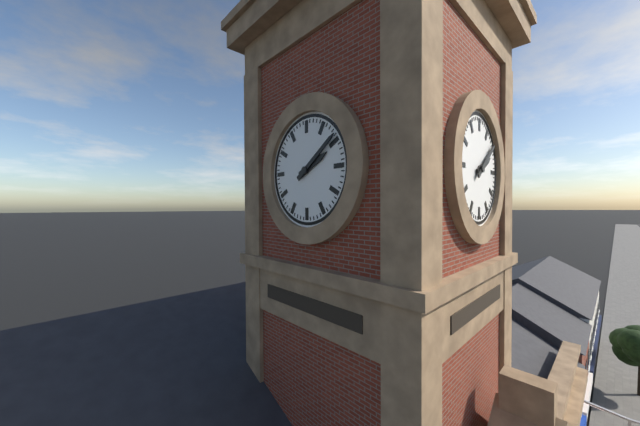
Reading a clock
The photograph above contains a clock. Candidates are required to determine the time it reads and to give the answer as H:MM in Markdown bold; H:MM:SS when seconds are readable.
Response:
**2:09**
